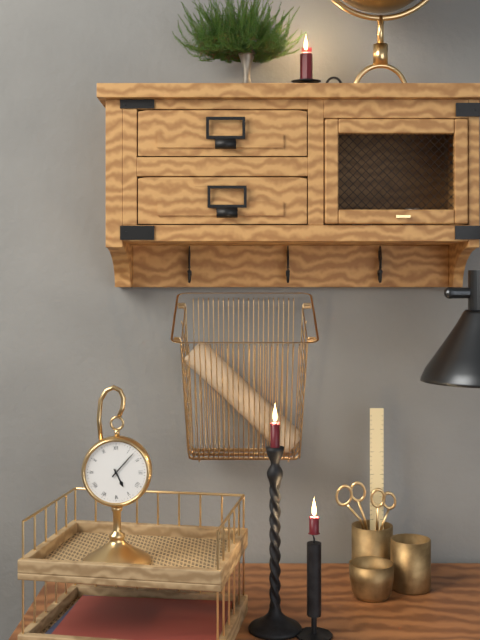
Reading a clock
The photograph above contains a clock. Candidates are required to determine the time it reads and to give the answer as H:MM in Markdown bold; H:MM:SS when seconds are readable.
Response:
**5:07**
